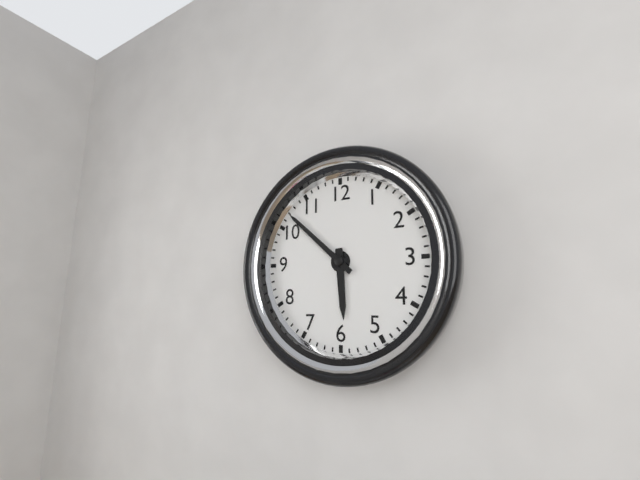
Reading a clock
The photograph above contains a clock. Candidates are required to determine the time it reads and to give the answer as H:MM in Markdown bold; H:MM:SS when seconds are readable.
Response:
**5:52**
